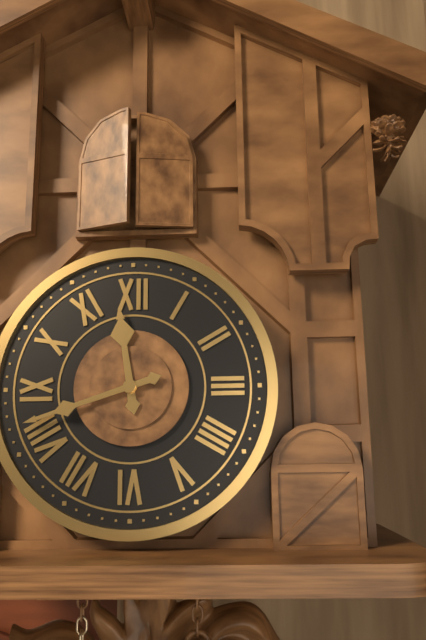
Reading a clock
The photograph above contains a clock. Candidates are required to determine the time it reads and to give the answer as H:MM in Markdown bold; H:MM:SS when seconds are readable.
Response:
**11:42**
